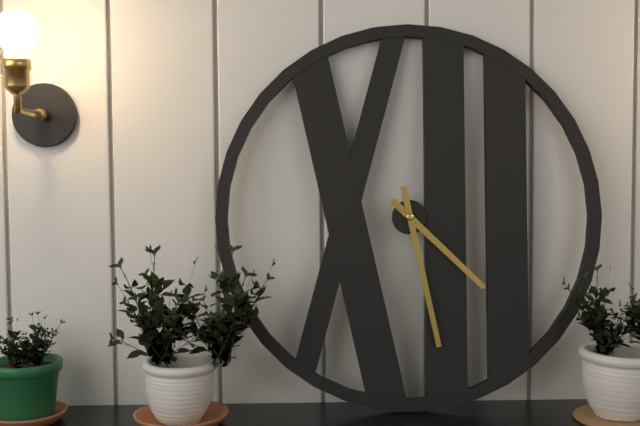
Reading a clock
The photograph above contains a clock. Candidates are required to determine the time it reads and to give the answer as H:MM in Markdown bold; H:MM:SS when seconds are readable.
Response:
**4:28**
